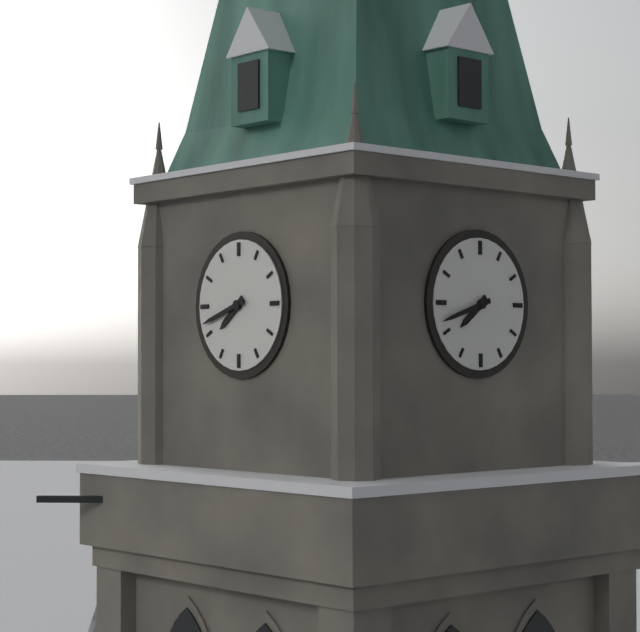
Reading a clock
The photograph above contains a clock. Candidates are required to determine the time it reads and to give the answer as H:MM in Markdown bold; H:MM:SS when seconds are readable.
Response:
**7:42**
